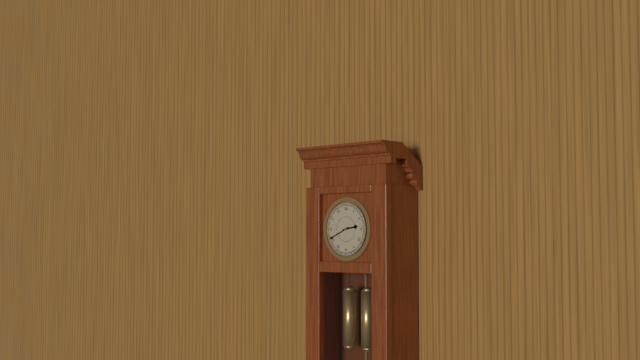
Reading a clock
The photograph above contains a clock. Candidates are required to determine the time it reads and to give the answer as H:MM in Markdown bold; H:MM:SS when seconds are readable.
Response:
**2:41**
